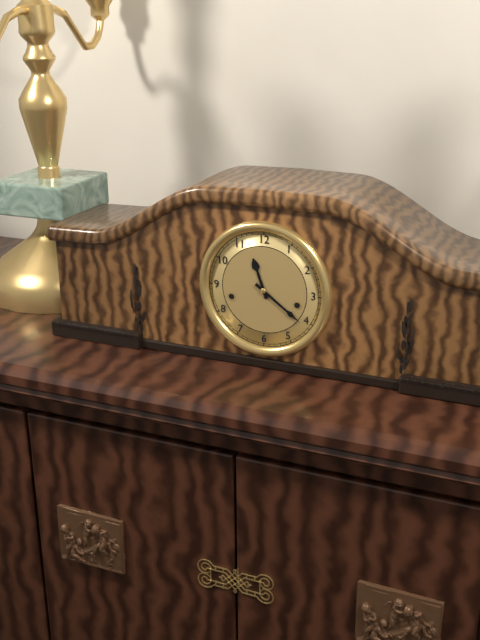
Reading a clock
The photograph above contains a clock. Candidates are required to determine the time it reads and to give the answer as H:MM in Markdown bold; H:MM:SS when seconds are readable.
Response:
**11:21**
